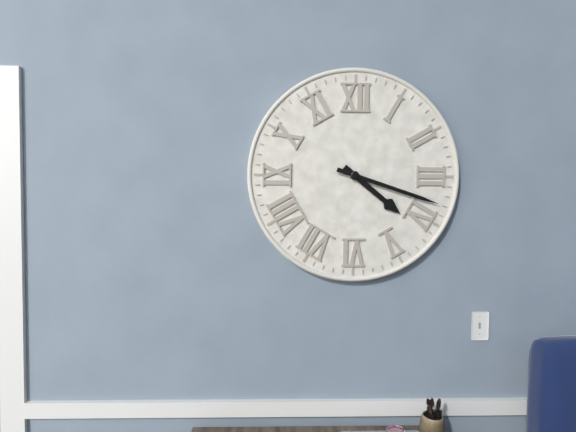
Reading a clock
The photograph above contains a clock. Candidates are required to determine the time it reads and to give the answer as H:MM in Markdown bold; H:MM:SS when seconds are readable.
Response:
**4:18**
